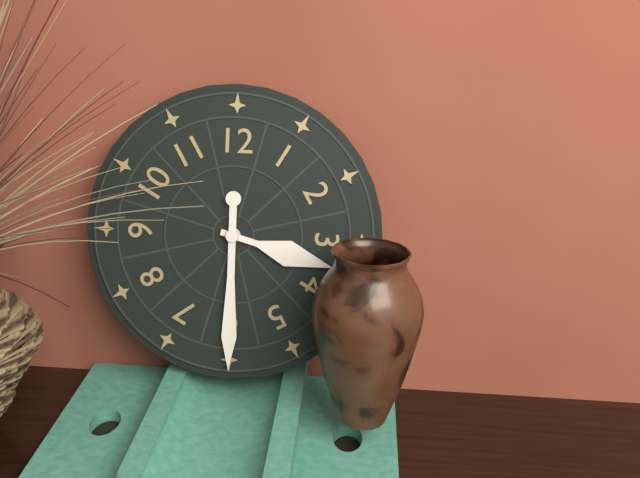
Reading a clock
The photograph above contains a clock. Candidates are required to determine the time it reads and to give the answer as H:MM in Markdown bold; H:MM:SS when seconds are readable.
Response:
**3:30**
